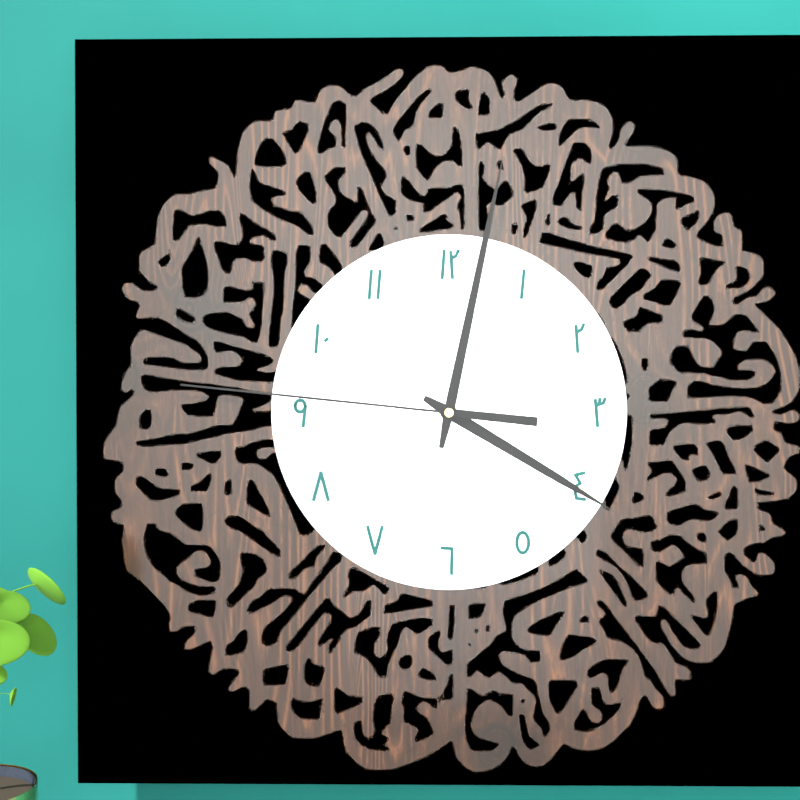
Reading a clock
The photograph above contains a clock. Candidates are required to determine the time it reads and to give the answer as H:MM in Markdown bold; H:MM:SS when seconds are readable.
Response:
**4:02:46**
